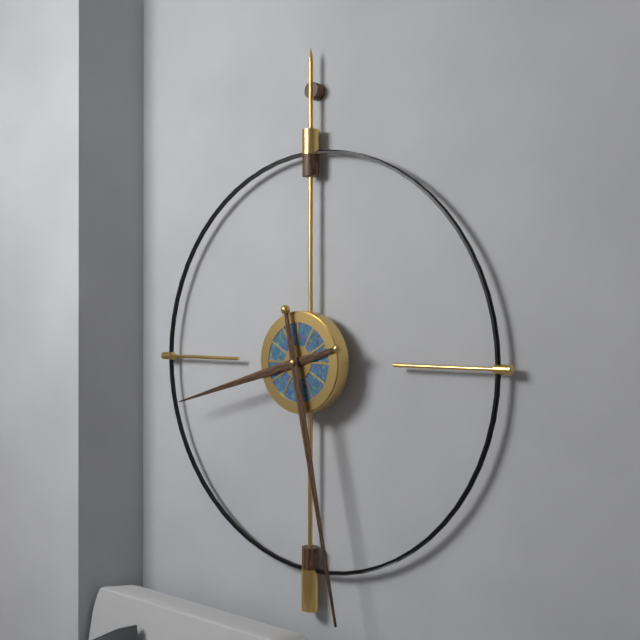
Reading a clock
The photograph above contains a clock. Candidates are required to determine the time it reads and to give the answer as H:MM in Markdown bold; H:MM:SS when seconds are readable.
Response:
**8:28**
